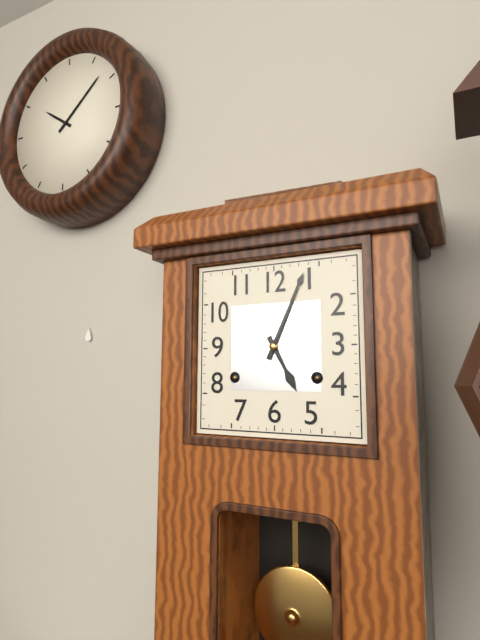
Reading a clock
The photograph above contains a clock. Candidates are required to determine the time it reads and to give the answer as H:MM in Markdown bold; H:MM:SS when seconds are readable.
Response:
**5:04**
